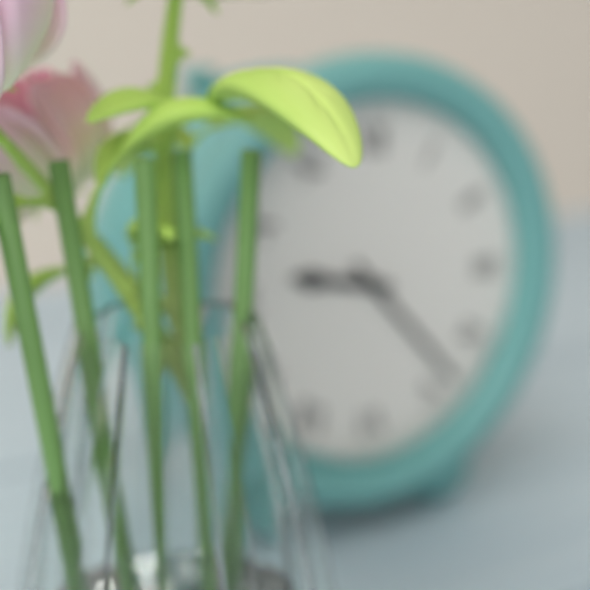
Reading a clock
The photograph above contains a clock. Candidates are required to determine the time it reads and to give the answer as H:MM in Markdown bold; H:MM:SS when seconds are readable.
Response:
**9:23**
